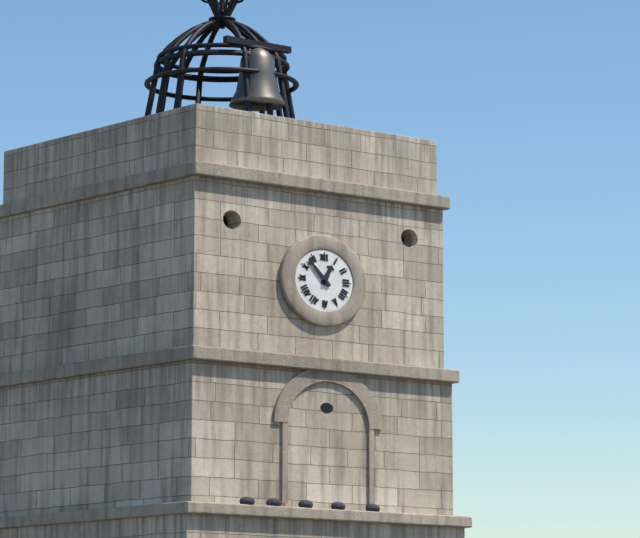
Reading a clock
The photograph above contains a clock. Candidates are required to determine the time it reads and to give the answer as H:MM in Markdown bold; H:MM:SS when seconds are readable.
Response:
**12:53**
